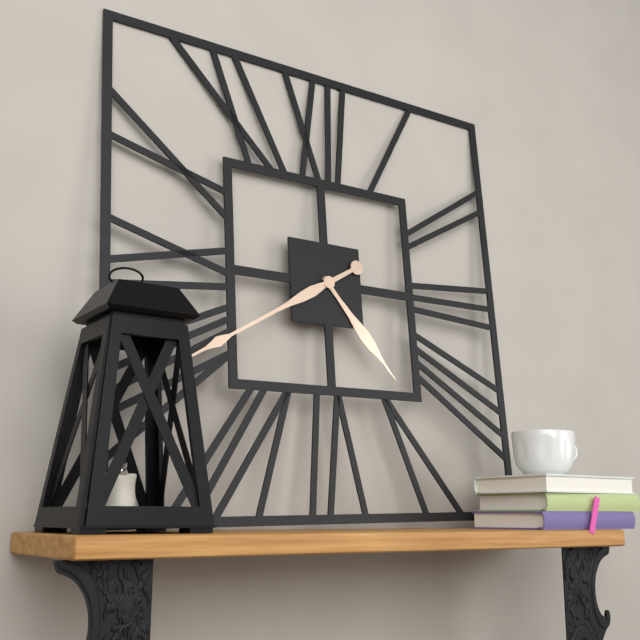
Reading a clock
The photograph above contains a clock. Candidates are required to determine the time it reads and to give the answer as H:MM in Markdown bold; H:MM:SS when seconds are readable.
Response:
**4:40**
